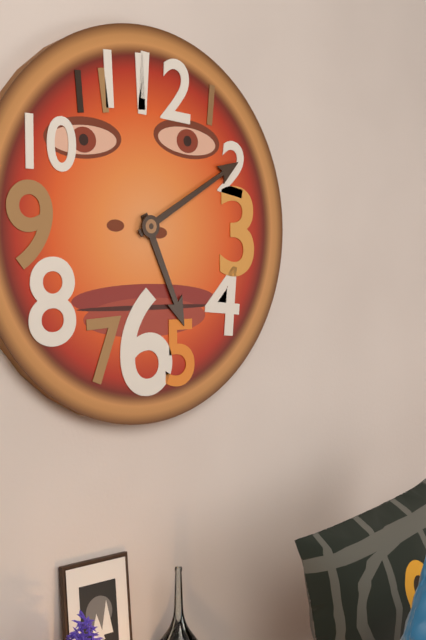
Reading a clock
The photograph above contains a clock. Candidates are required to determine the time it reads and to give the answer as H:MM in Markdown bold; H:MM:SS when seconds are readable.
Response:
**5:10**
